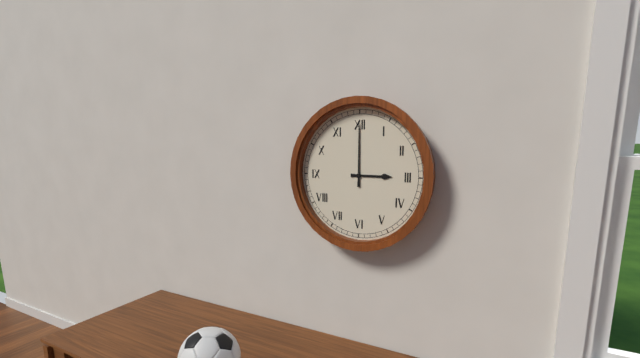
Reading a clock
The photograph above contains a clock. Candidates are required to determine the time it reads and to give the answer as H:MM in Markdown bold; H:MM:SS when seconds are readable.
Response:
**3:00**
